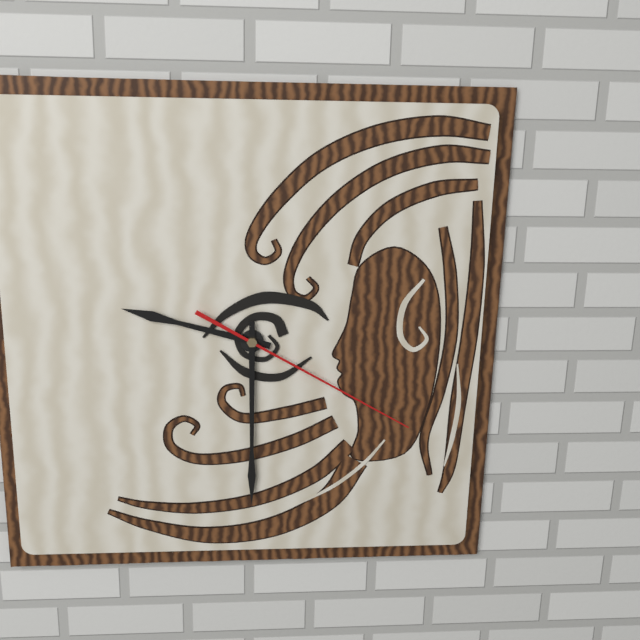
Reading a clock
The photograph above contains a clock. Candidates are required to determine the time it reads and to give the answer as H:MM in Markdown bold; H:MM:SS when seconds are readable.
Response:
**9:30:20**
